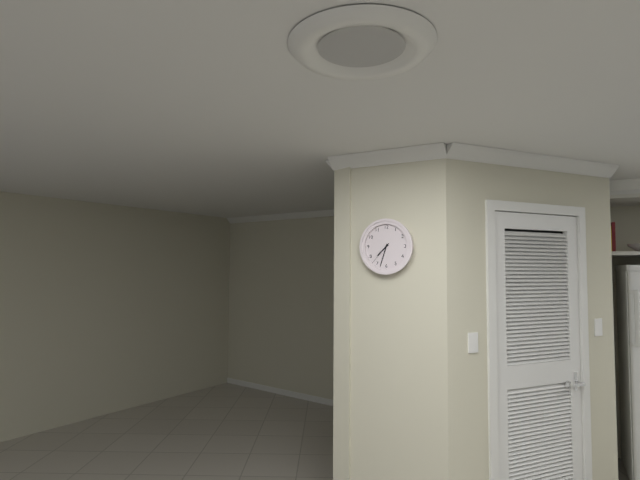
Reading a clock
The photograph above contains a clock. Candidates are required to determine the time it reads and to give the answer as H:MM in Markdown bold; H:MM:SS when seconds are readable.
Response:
**7:33**
